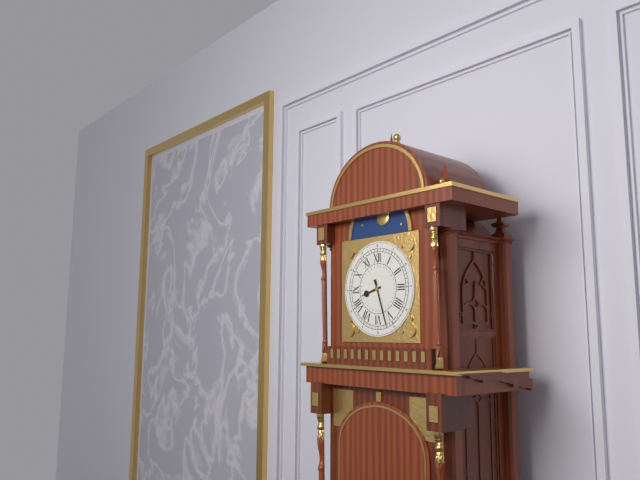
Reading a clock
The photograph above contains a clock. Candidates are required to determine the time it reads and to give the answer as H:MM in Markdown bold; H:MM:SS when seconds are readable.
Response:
**8:27**
